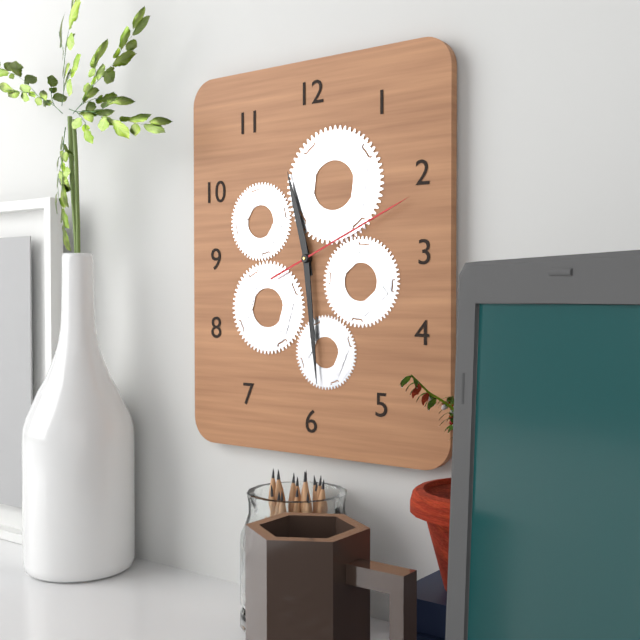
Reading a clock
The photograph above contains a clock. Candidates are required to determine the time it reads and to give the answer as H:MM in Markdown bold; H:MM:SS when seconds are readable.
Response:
**11:29:11**
